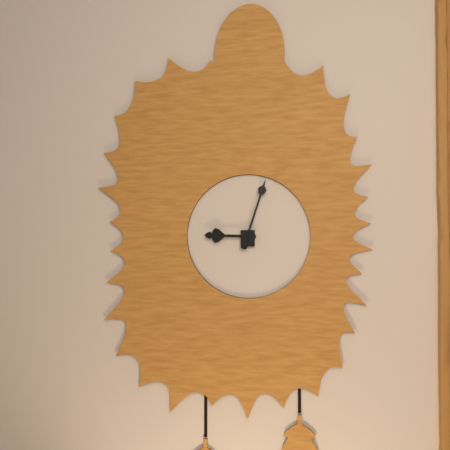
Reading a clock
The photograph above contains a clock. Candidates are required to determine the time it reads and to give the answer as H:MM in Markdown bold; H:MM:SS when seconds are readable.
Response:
**9:03**
